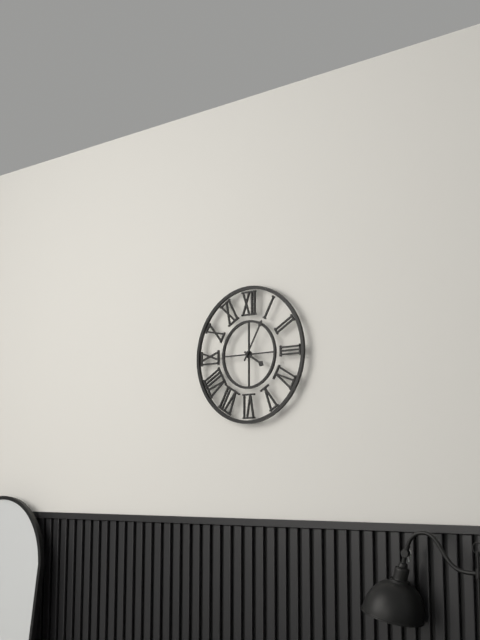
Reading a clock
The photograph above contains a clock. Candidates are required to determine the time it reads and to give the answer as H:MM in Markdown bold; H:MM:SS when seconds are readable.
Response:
**4:05**
